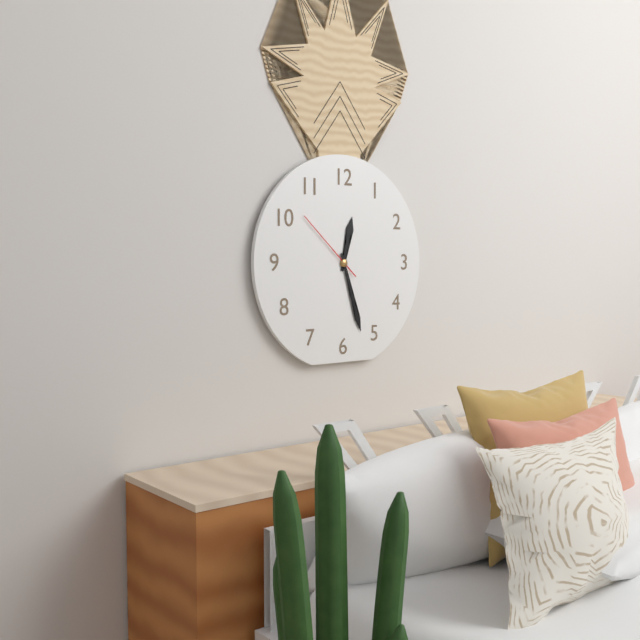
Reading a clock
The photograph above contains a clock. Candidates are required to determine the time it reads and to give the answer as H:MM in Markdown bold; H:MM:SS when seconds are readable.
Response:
**12:27:52**
